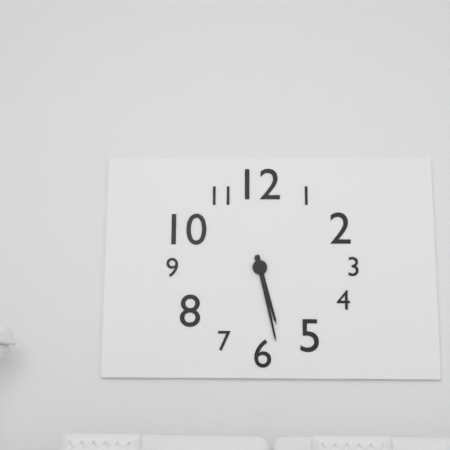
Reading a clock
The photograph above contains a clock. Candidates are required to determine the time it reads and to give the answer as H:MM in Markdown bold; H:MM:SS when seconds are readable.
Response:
**5:28**
